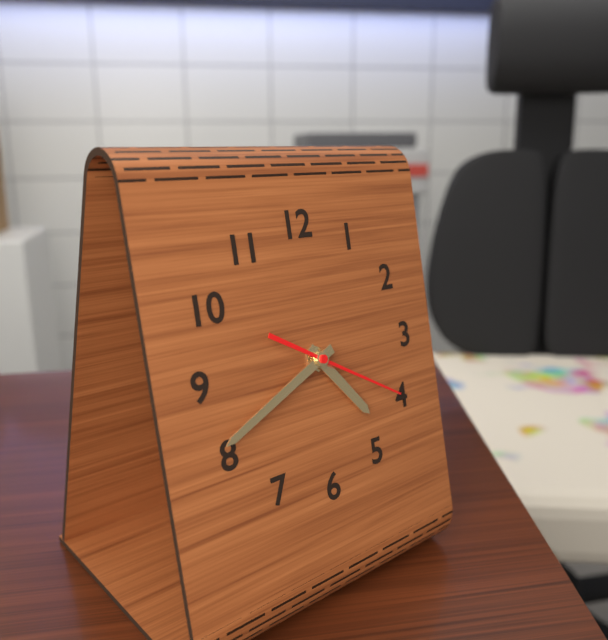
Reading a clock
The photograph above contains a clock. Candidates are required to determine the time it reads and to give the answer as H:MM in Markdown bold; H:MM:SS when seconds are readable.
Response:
**4:41:20**
